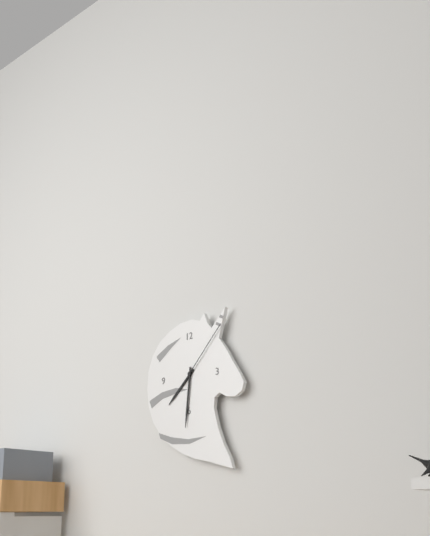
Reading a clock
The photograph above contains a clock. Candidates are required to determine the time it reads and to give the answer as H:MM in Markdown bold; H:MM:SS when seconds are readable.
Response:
**7:31:07**
